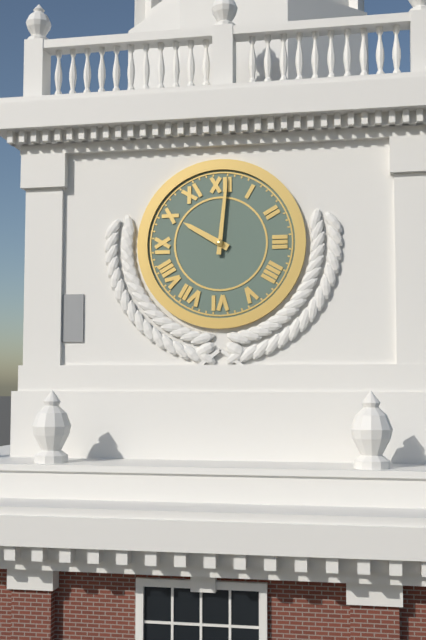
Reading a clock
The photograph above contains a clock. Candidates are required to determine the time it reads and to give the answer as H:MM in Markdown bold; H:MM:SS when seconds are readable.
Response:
**10:01**
